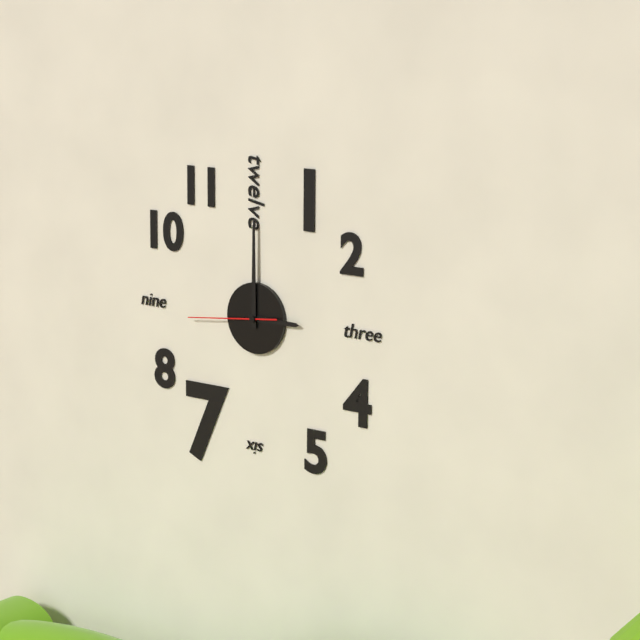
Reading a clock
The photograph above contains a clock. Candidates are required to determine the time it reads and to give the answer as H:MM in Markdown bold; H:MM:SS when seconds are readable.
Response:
**3:00:44**
